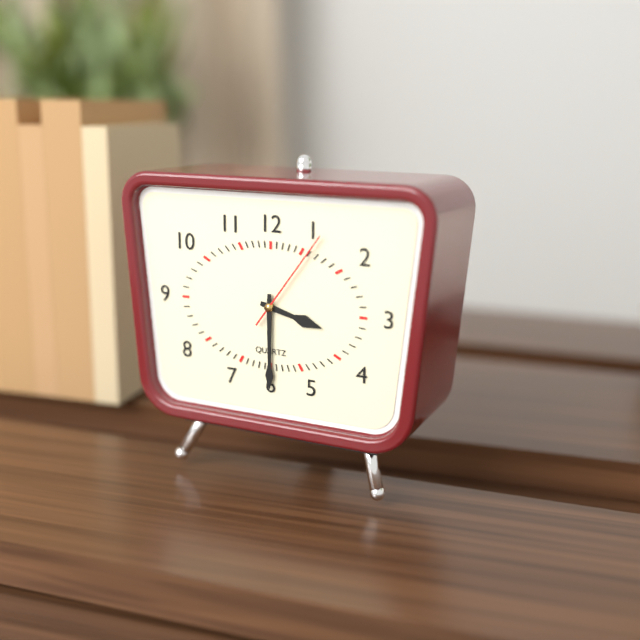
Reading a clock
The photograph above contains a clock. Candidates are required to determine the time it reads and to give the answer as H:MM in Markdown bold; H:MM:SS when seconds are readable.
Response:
**3:30:06**
